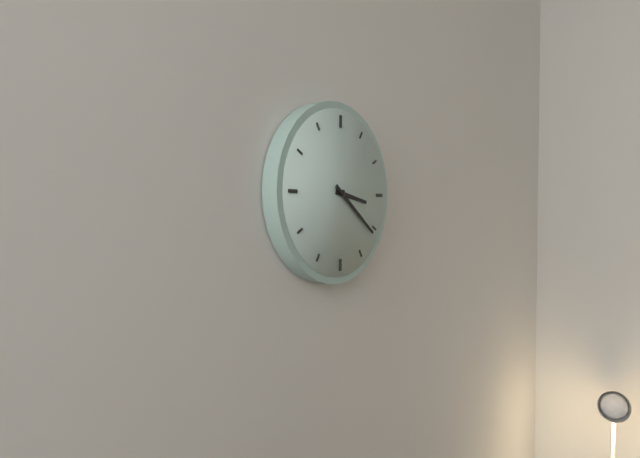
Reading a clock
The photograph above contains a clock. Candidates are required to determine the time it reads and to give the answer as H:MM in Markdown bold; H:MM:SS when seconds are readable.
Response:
**3:21**
